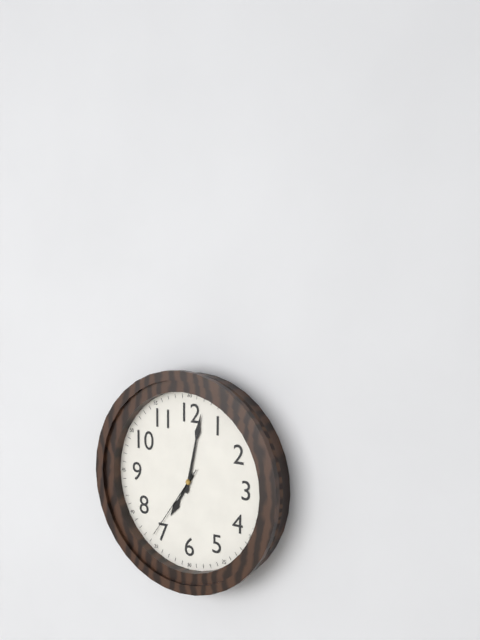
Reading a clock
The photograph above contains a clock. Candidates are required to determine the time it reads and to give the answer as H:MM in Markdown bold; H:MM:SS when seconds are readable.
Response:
**7:02:36**
